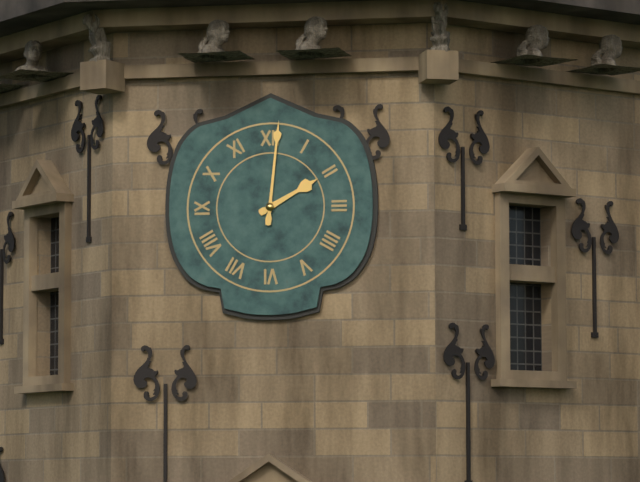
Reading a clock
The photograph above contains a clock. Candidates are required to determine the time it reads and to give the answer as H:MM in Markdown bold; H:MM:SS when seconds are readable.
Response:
**2:01**
